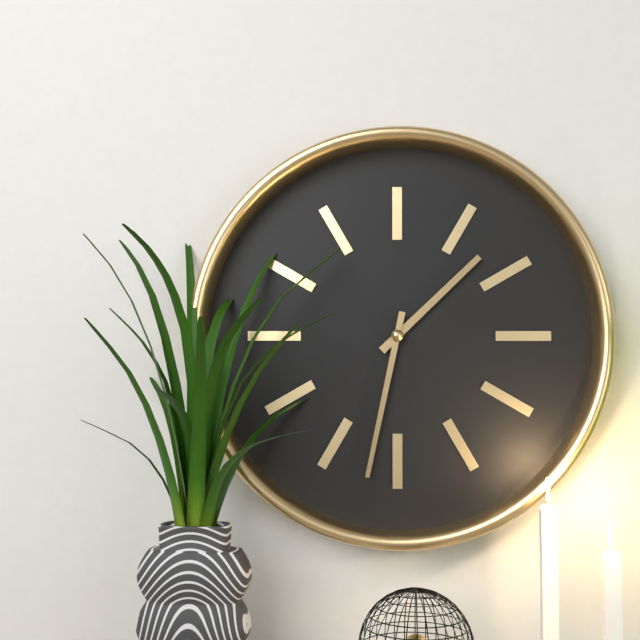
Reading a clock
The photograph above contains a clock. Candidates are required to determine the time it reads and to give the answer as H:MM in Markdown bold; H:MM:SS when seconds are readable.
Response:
**1:32**
